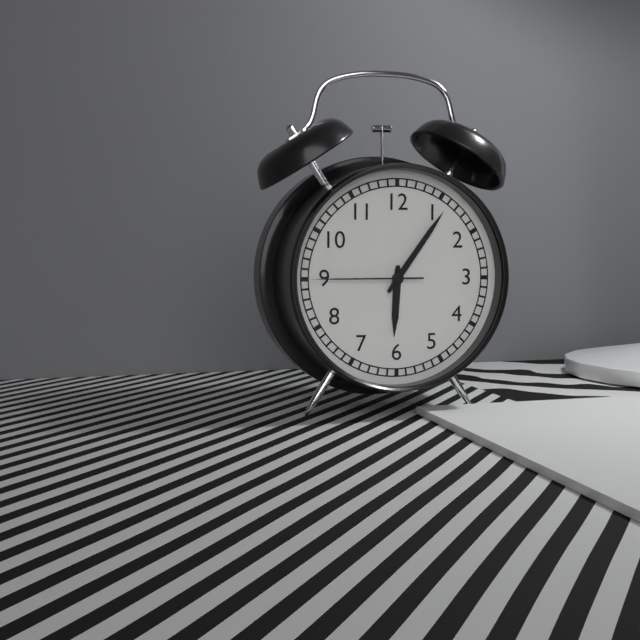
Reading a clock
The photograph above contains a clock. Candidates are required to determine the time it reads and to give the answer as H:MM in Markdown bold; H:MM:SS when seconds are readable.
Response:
**6:06:45**
